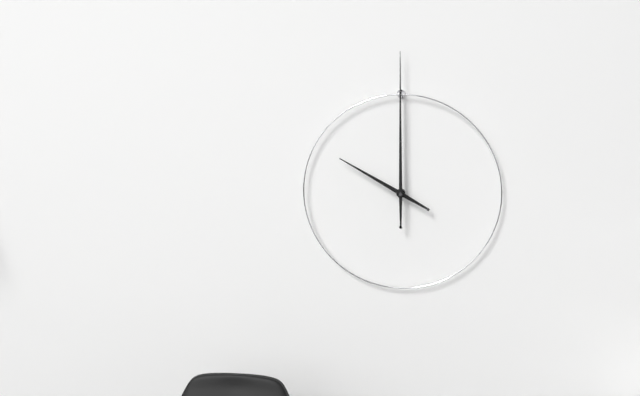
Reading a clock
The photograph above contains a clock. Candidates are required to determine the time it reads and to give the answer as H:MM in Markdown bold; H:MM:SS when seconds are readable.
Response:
**10:00**
